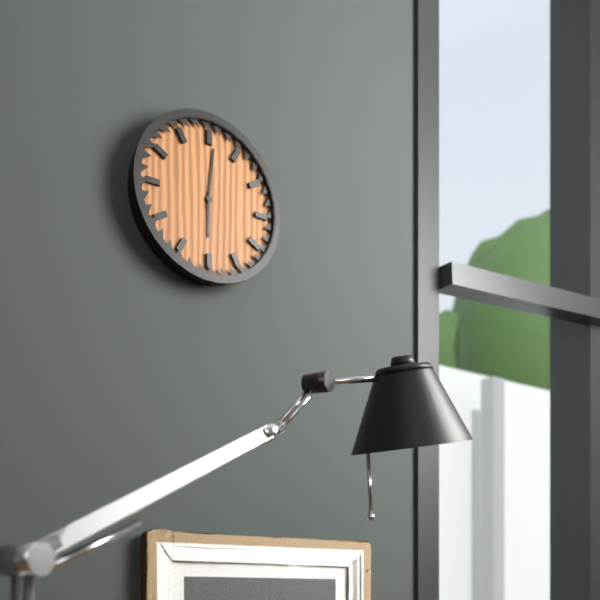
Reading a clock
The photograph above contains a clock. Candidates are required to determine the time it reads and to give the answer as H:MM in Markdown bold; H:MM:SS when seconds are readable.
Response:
**6:01**
